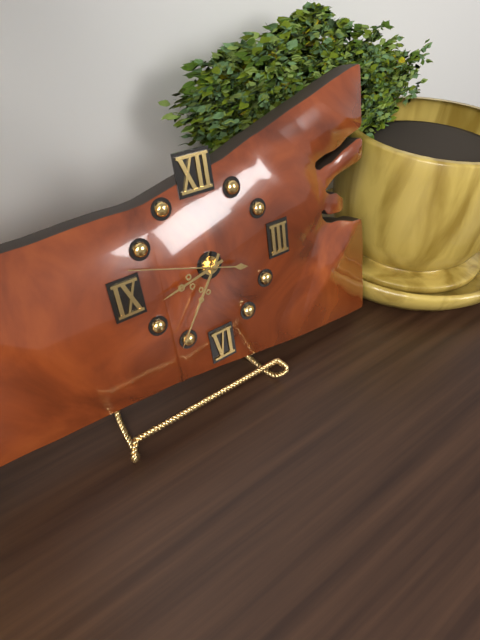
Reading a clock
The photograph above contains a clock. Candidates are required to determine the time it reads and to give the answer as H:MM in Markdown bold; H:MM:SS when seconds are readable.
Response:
**8:36:48**
